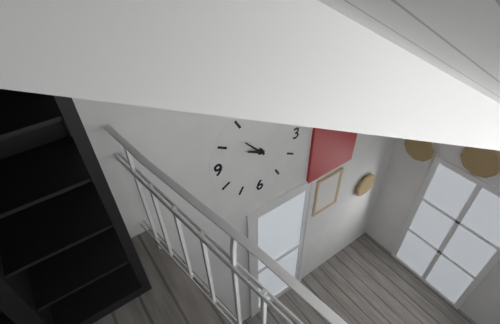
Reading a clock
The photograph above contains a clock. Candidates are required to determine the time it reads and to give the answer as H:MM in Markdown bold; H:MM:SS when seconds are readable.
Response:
**9:53**
